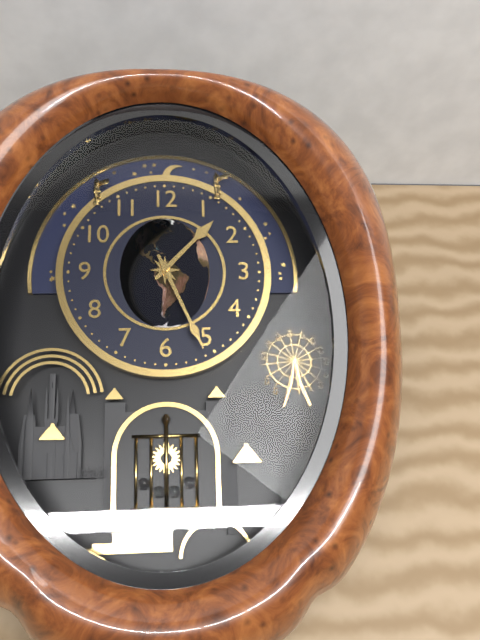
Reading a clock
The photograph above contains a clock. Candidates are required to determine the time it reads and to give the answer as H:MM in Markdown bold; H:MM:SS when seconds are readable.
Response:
**1:26**
